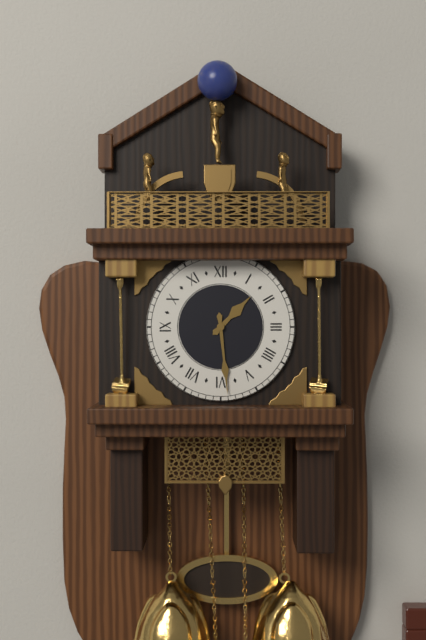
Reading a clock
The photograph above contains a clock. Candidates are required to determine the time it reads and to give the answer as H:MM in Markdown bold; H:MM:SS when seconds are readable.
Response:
**1:29**
